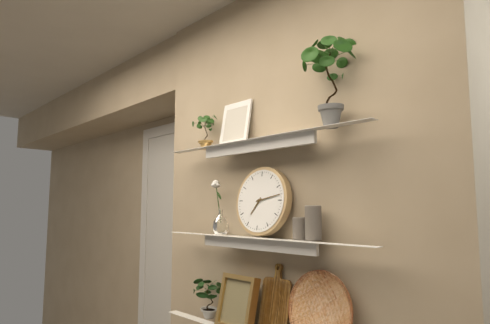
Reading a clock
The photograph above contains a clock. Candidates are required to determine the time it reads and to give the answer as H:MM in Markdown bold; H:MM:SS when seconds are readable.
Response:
**7:13**
